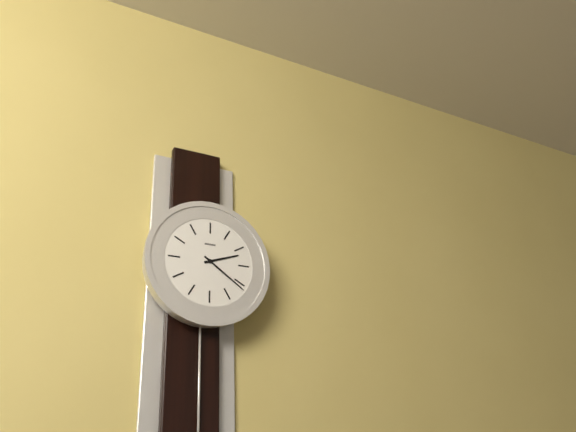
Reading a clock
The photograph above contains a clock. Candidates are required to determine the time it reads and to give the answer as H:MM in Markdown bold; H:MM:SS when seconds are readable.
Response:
**2:21**
